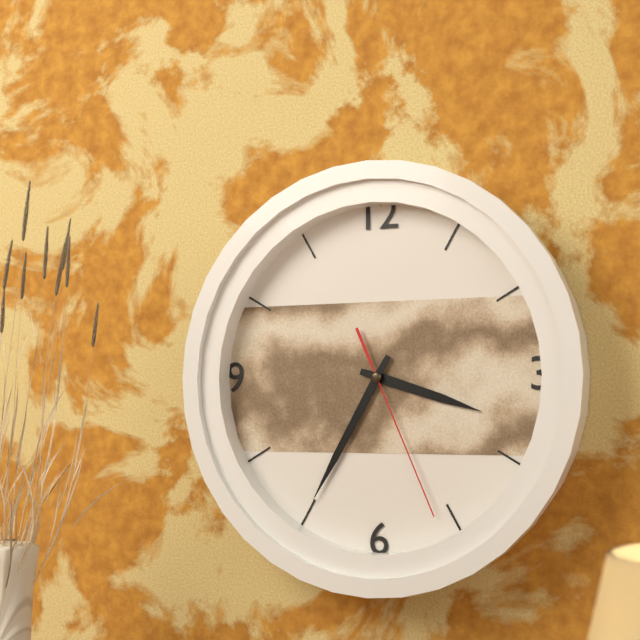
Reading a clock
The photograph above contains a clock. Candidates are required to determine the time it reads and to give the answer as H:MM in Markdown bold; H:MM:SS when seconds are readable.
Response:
**3:35:26**
